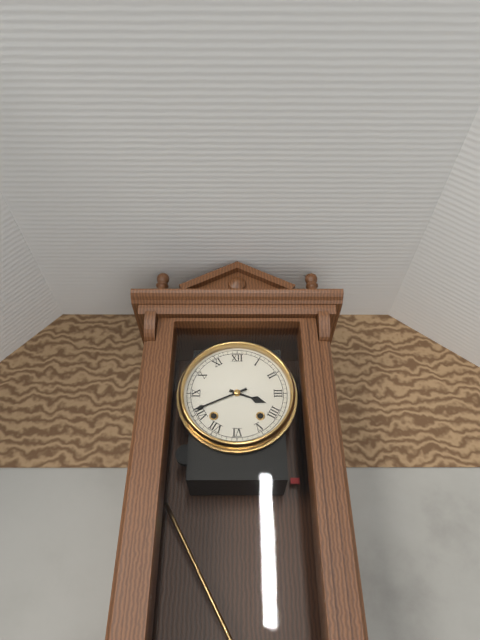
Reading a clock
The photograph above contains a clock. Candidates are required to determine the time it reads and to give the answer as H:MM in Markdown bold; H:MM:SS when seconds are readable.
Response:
**3:41**
